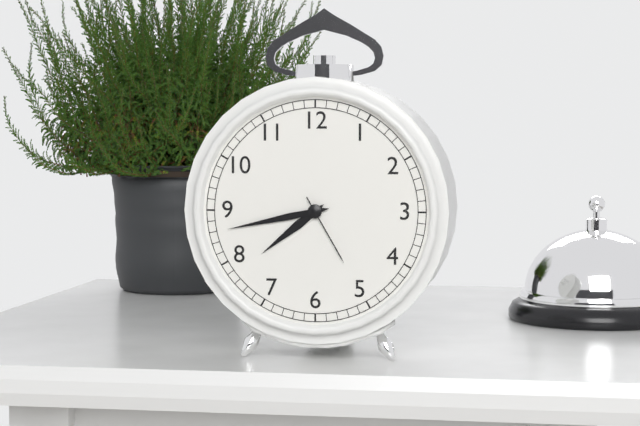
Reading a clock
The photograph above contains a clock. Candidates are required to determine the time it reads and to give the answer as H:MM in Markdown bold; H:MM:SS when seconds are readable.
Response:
**7:43:25**
